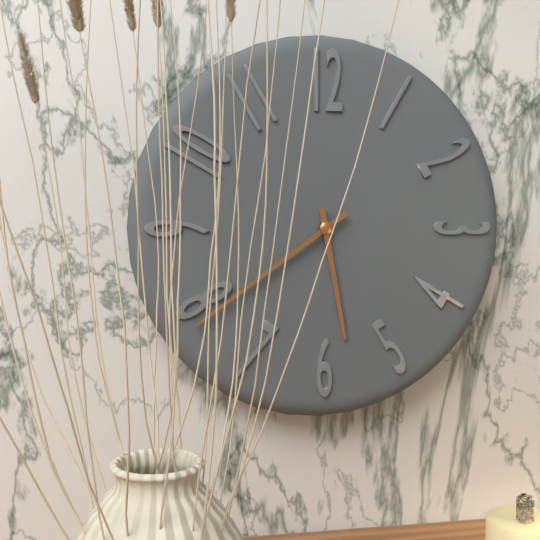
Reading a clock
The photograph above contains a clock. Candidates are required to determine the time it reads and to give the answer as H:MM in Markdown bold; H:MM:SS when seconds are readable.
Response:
**5:39**
